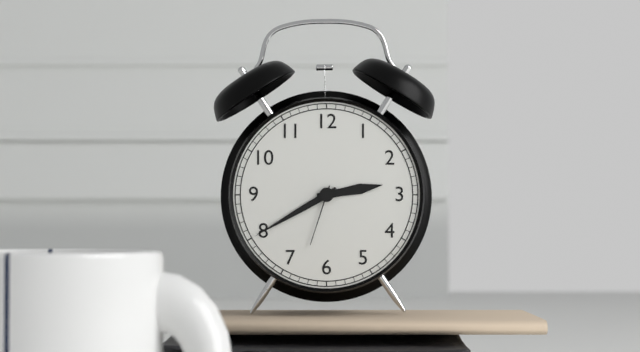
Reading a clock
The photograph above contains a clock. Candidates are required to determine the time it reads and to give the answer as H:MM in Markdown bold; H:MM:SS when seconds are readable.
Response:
**2:40:33**
